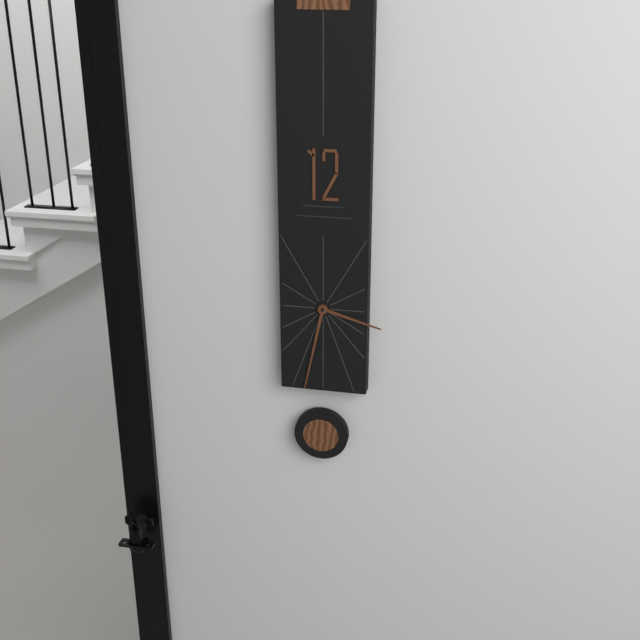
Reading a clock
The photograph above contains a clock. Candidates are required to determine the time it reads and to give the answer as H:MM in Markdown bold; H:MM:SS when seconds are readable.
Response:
**3:32**
